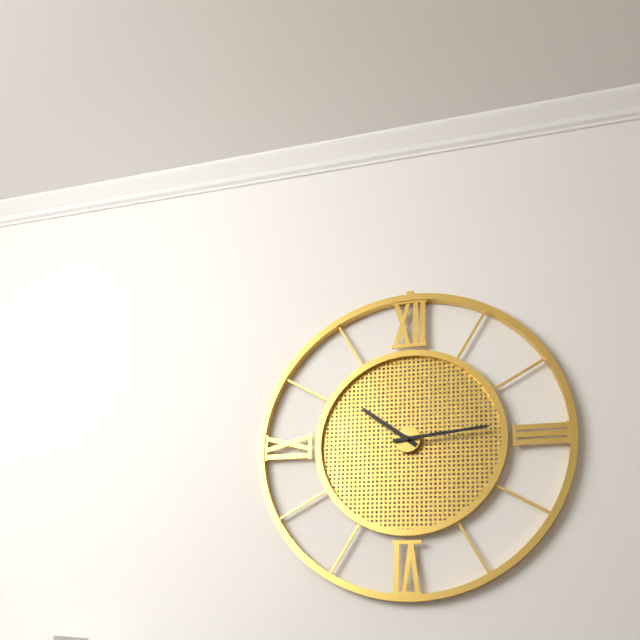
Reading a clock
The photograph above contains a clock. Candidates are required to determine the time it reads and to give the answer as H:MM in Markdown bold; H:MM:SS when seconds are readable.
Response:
**10:14**
